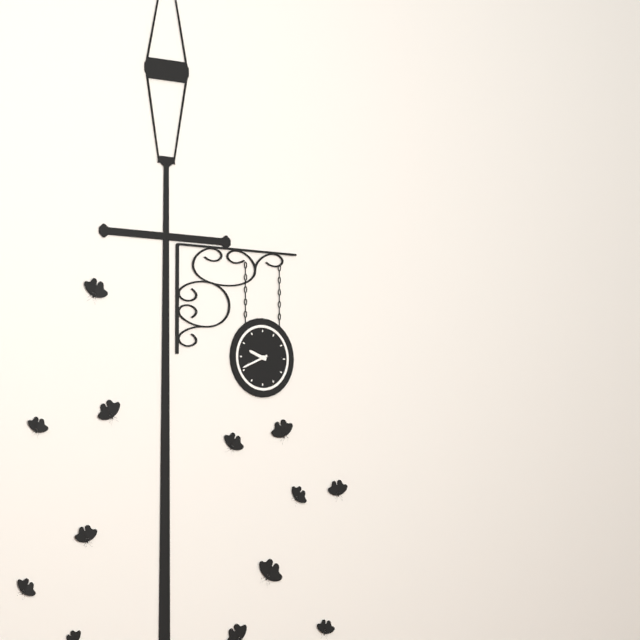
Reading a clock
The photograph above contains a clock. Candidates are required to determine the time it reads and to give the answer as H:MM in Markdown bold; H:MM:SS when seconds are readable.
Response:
**9:41**
